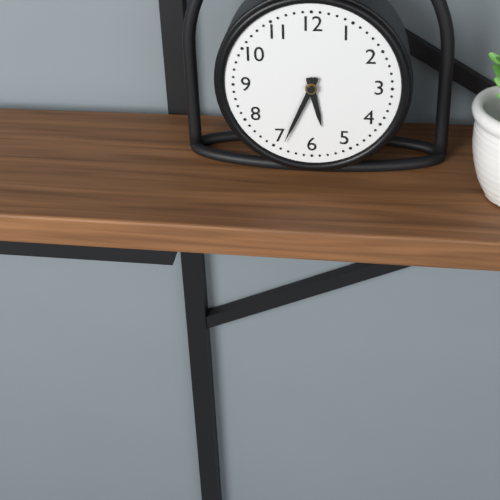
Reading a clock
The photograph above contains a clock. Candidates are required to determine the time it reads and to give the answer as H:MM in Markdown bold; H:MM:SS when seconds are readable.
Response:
**5:34**
